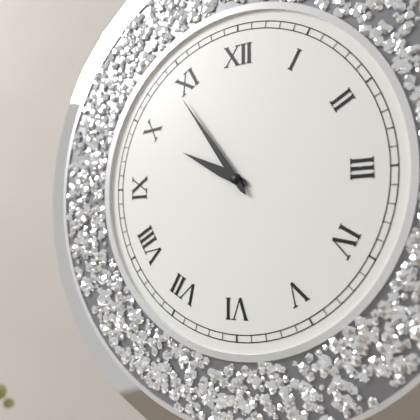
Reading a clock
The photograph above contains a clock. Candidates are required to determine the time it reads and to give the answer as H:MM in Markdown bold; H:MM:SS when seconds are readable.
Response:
**9:54**
